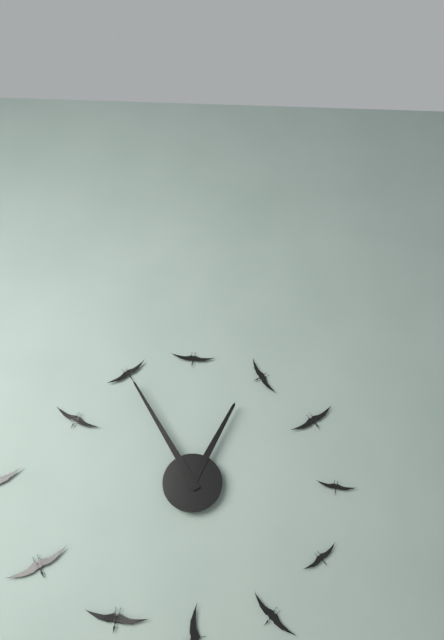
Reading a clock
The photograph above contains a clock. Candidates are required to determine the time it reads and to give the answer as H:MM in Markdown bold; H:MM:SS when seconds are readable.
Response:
**12:55**
